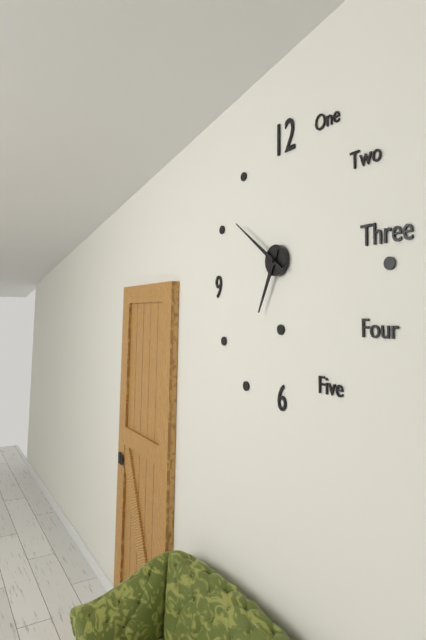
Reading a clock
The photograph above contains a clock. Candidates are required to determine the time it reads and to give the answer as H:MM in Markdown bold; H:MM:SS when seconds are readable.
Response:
**6:51**
